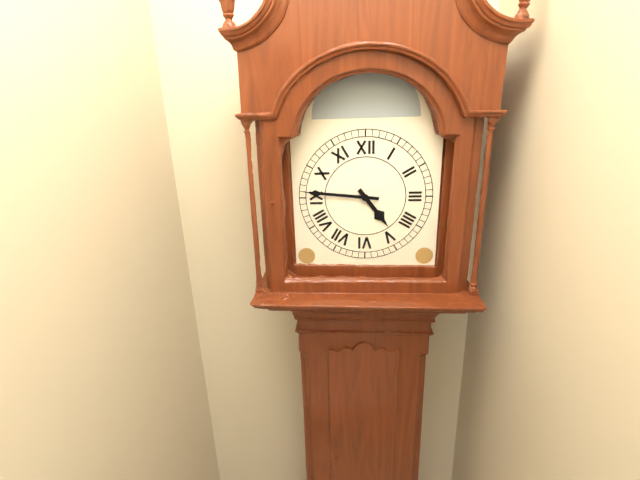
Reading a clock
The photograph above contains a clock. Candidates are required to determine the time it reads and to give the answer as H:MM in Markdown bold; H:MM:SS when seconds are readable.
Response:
**4:46**
